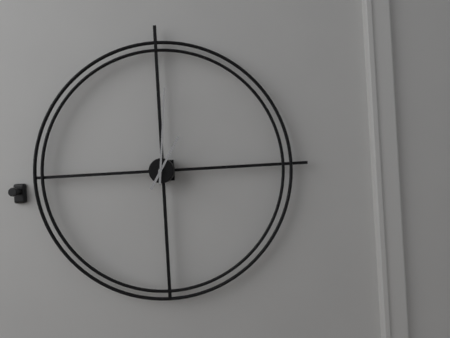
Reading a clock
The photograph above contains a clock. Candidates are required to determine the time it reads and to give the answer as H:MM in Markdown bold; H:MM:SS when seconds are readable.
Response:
**1:01**
